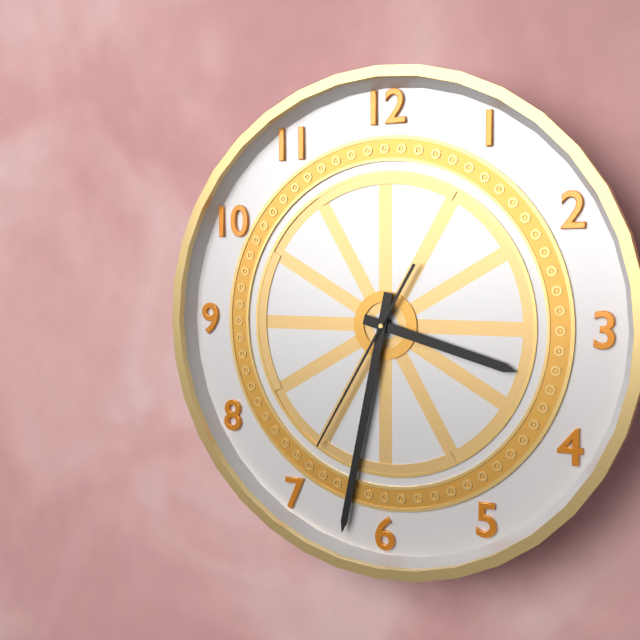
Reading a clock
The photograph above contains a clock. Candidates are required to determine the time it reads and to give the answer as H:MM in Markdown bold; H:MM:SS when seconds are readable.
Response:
**3:32:35**
